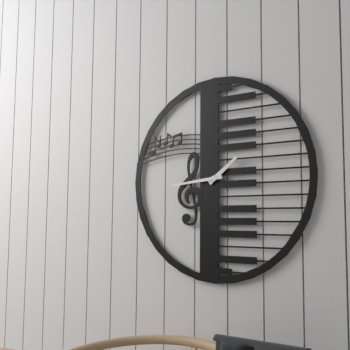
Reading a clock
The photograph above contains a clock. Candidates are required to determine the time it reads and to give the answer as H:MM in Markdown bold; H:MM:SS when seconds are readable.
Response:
**1:44**
